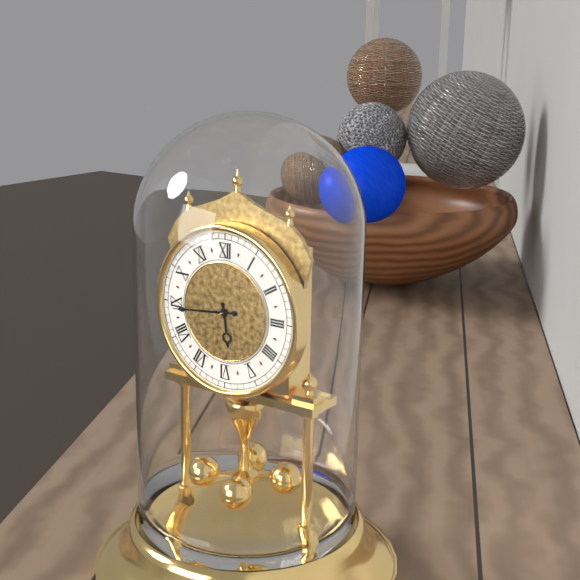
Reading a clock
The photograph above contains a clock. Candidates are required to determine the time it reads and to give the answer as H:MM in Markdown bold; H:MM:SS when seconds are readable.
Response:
**5:44**
